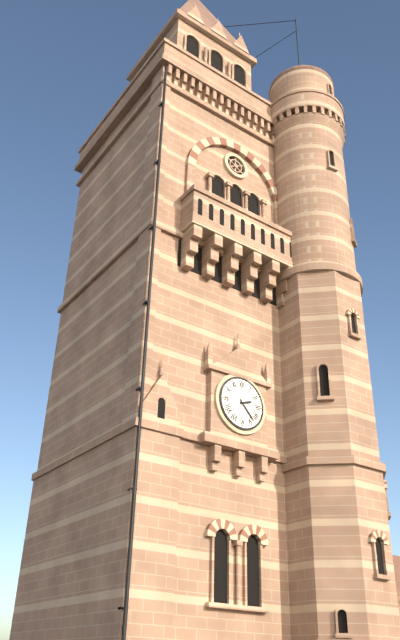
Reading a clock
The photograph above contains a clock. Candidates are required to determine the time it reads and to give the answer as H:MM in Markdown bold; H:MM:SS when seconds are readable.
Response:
**2:23**
